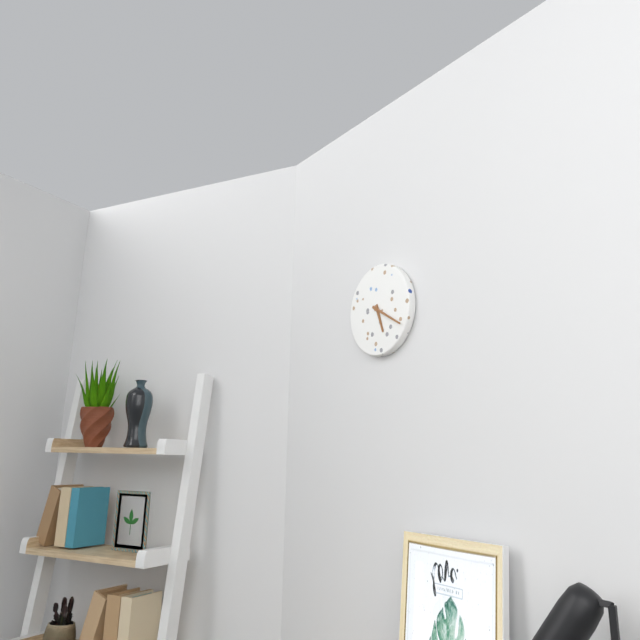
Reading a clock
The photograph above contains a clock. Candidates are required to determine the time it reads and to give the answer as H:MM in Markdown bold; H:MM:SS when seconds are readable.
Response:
**5:20**
